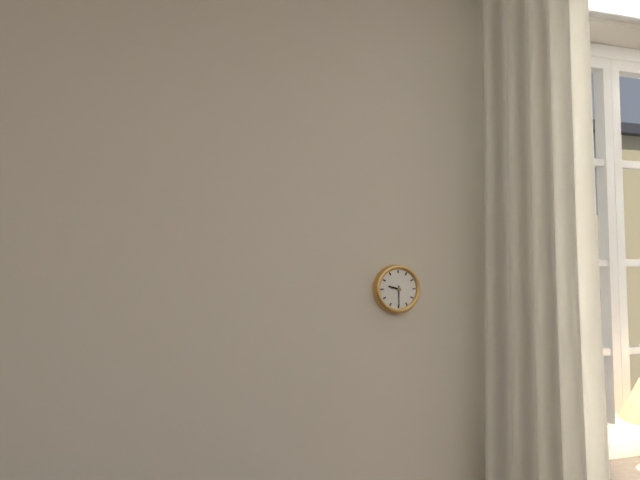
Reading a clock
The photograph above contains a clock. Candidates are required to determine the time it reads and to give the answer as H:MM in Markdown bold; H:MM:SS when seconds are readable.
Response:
**9:30**
